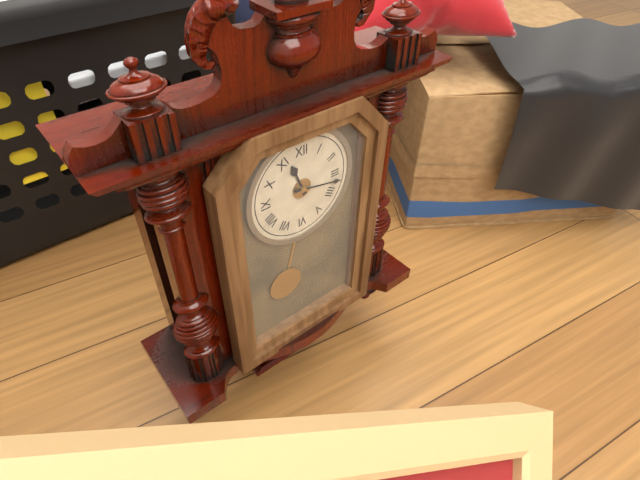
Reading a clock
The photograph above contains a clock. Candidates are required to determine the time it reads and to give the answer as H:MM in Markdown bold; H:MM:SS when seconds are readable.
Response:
**11:17**
